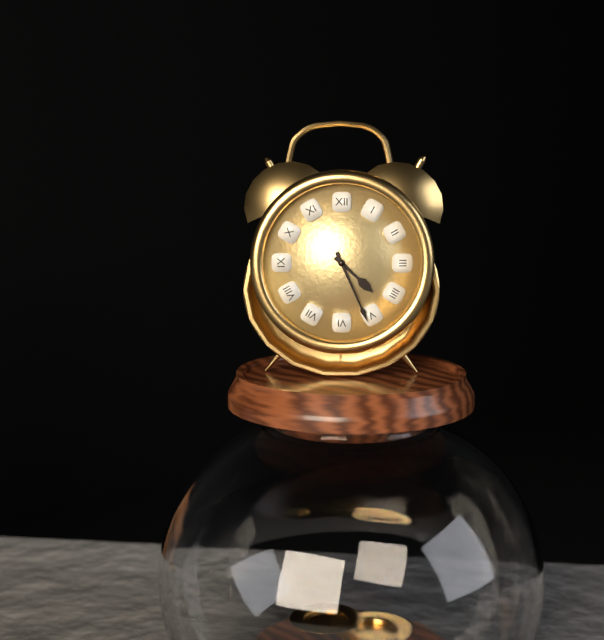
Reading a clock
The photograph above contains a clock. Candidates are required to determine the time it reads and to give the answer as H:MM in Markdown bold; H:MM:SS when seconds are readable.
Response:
**4:26**
